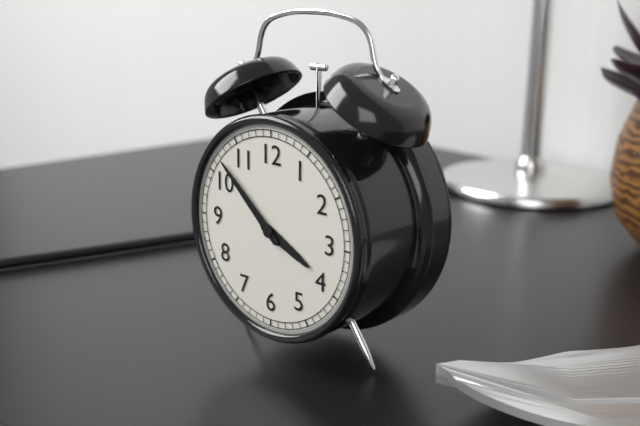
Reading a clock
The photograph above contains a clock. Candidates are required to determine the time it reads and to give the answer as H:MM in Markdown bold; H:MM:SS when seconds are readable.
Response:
**3:52**
